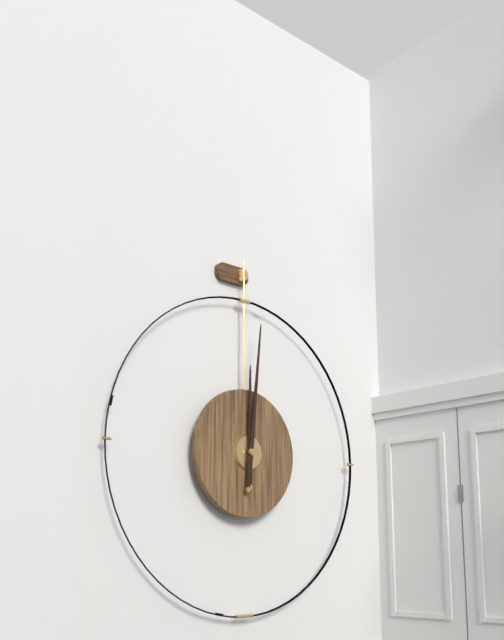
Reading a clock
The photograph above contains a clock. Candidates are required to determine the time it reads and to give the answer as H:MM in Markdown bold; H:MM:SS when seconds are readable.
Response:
**12:01**
